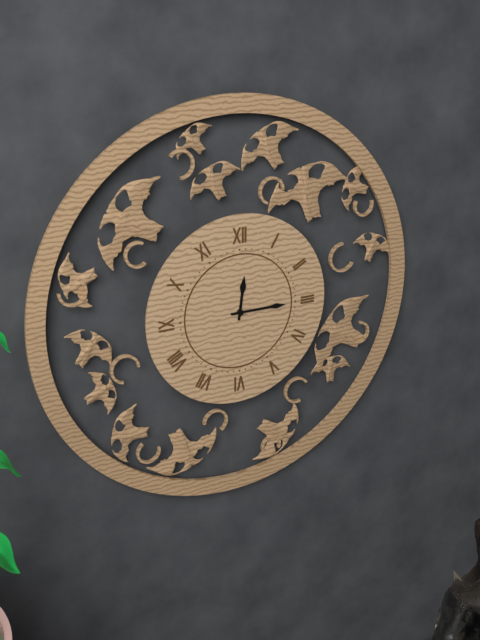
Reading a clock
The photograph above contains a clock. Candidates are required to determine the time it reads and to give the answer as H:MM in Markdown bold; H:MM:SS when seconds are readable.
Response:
**12:15**
